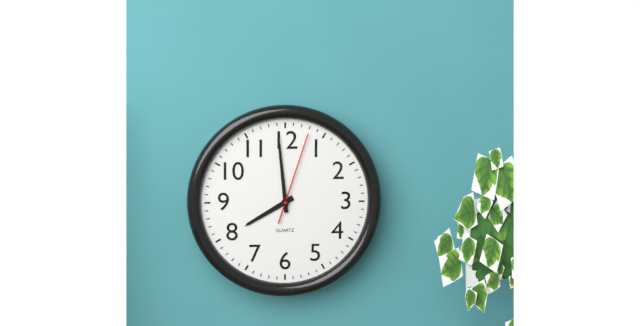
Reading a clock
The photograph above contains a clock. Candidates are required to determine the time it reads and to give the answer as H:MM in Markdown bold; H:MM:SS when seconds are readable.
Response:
**7:59:03**
